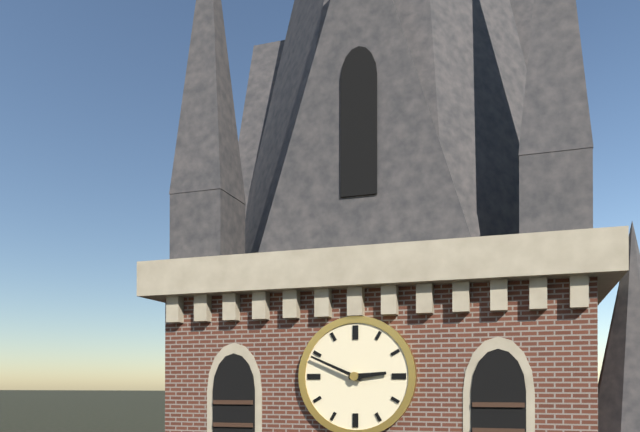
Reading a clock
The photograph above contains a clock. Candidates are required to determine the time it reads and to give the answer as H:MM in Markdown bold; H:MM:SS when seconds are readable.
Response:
**2:49**
